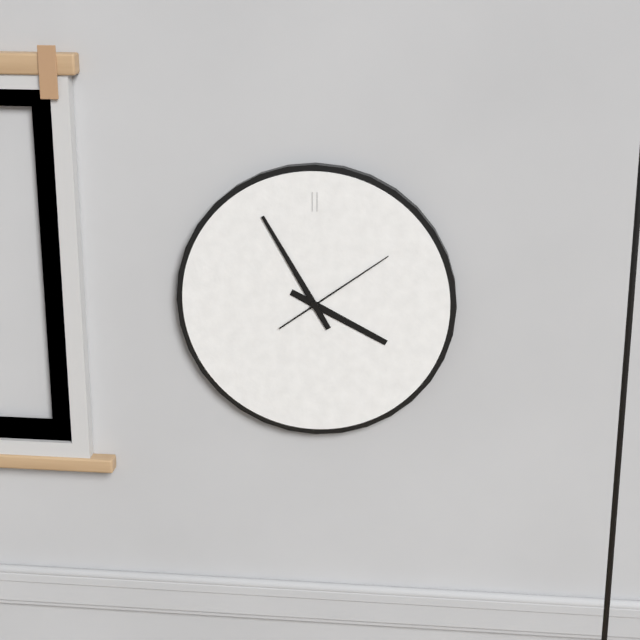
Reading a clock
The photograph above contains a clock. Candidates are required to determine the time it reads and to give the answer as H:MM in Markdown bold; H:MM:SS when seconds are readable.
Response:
**3:55:09**
